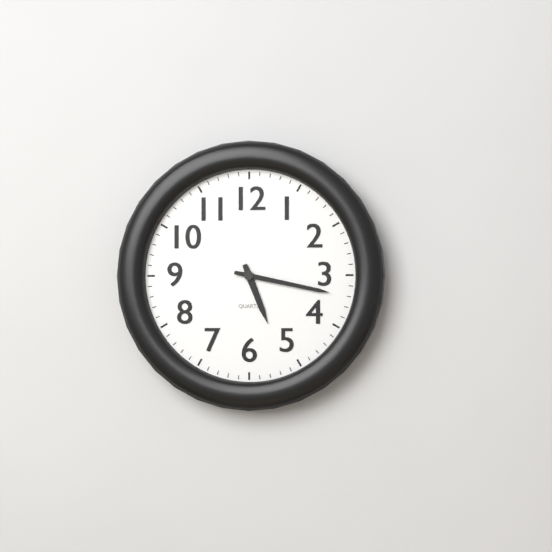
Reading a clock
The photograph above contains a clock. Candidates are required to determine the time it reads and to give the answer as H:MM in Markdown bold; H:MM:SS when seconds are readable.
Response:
**5:17**
